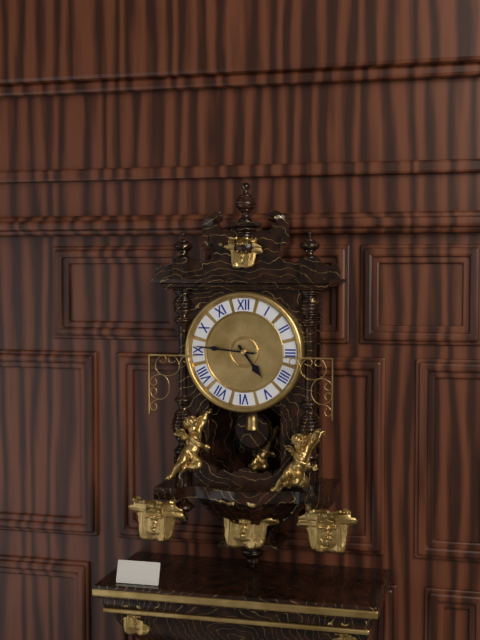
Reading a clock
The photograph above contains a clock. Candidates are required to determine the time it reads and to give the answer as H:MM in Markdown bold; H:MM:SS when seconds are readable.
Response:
**4:46**
